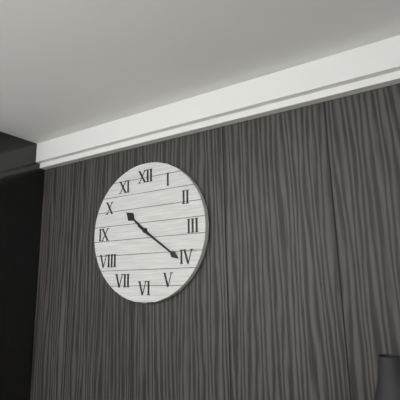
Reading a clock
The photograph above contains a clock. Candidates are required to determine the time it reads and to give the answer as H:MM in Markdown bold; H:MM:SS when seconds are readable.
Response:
**10:21**
